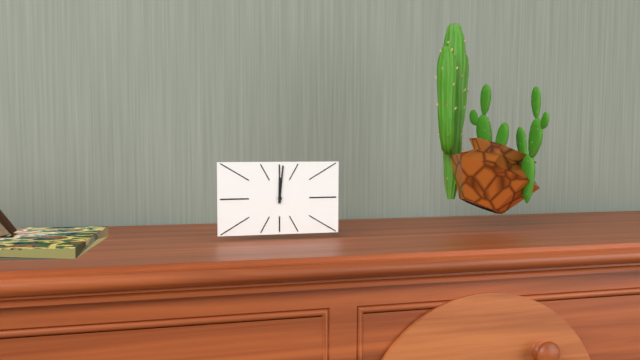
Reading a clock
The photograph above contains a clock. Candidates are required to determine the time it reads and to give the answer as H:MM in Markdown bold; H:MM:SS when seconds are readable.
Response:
**12:01**
